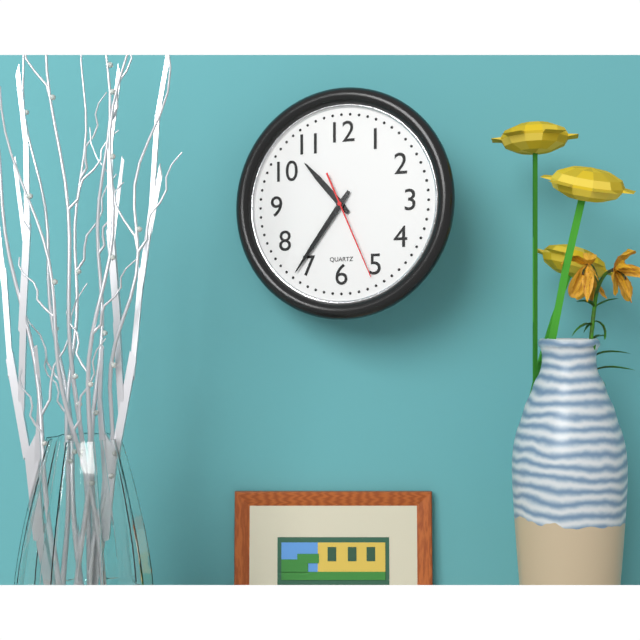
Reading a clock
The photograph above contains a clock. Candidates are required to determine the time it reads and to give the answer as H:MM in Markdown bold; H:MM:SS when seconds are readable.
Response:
**10:36:26**
